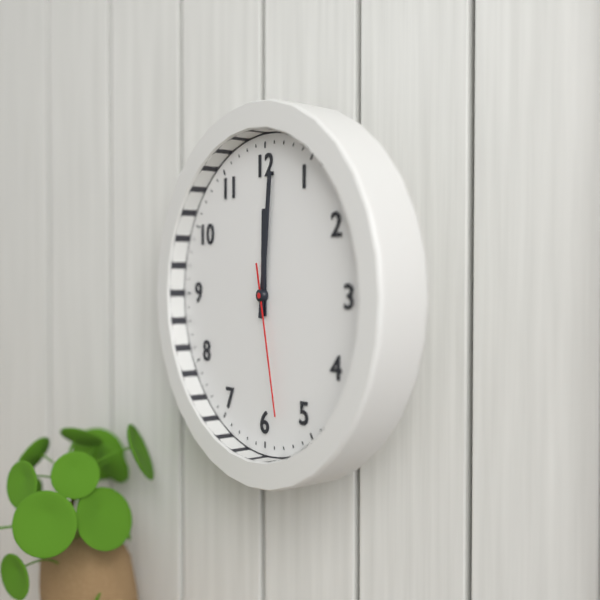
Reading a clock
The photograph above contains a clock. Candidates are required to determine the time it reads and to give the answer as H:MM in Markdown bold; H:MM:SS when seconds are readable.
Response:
**12:01:28**
